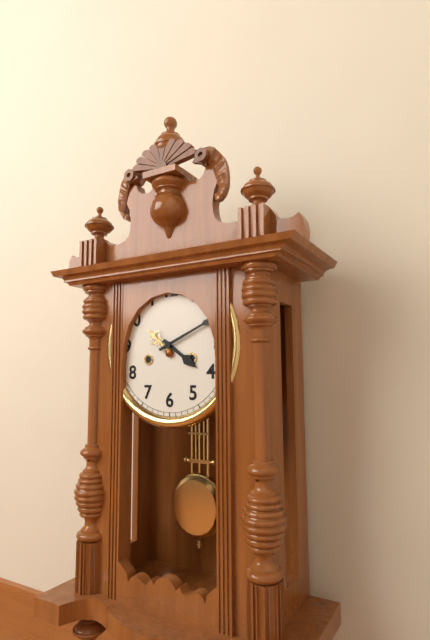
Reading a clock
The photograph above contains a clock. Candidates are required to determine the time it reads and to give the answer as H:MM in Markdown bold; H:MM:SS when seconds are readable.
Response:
**4:11**
